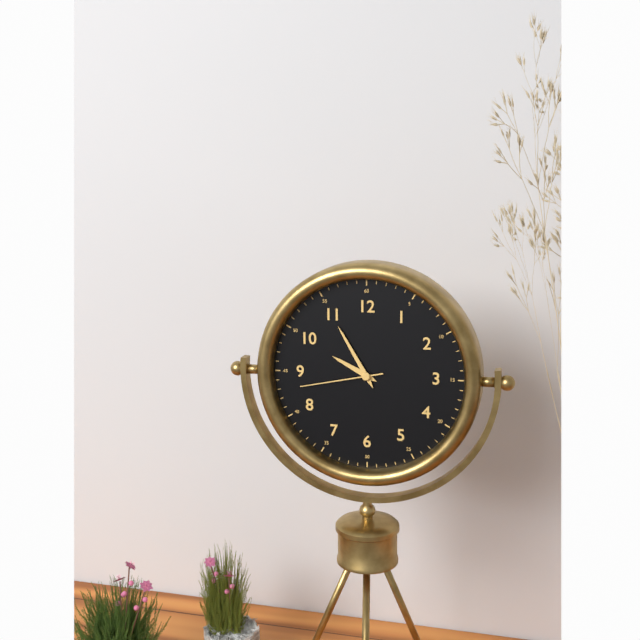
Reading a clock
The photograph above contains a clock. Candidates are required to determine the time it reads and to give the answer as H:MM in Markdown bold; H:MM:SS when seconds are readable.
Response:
**9:55:43**
